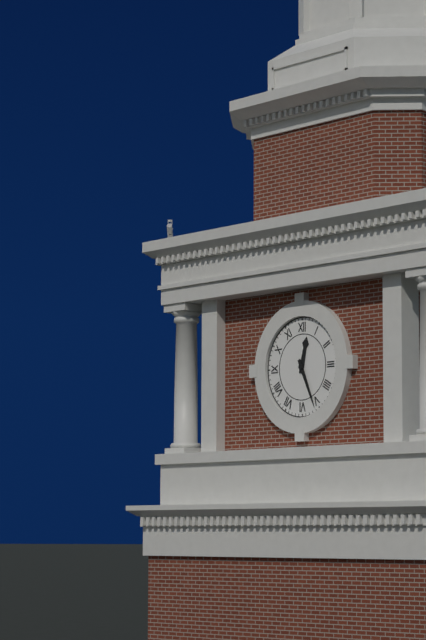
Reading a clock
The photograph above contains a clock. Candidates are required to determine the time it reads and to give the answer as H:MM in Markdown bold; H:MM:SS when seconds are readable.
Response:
**12:26**
